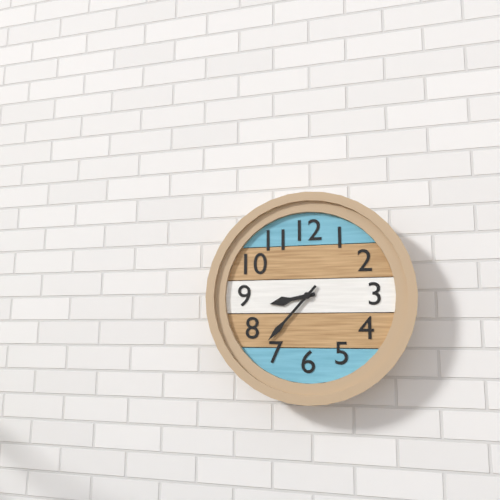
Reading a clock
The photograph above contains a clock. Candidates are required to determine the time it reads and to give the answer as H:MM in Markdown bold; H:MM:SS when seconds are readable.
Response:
**8:37**
